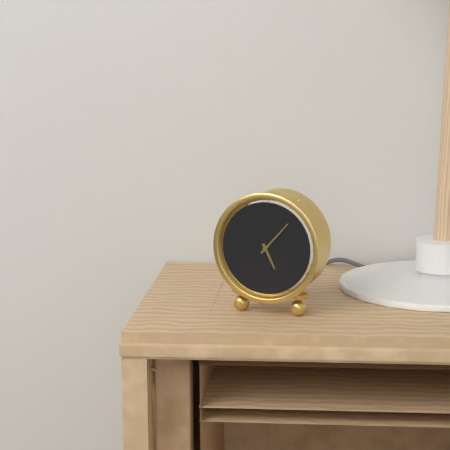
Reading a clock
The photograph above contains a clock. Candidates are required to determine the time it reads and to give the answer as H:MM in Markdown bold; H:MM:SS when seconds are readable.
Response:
**5:07**
